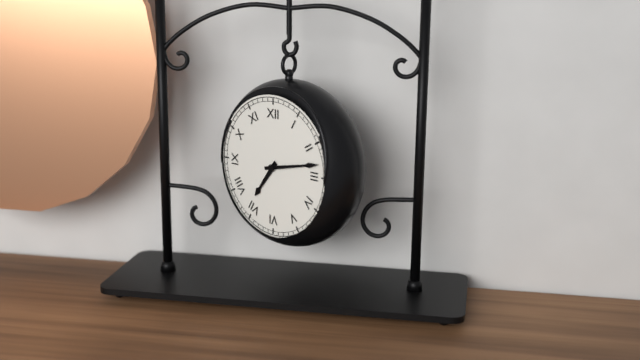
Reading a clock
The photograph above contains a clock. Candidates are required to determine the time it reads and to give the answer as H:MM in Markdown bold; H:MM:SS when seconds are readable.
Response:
**7:13**
